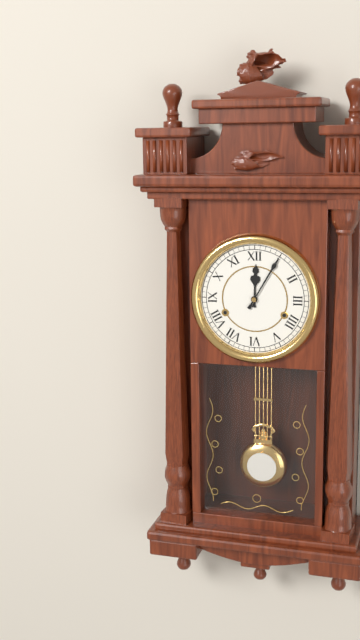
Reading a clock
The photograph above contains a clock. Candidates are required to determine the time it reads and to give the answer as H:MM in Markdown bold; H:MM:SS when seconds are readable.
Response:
**12:05**
